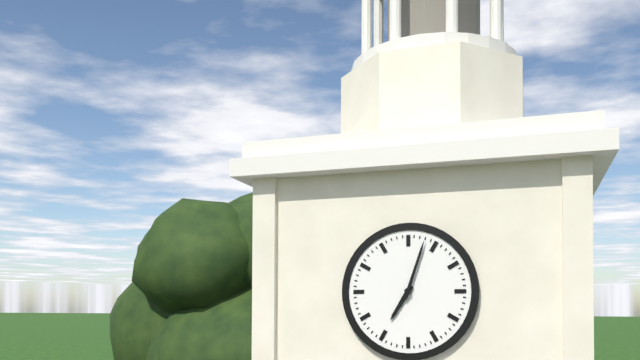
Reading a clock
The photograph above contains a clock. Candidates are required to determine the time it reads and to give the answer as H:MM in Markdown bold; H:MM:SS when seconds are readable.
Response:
**7:03**
